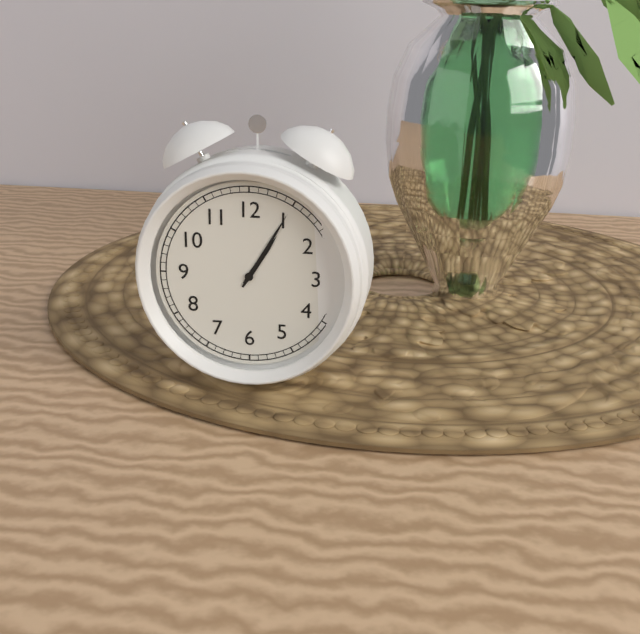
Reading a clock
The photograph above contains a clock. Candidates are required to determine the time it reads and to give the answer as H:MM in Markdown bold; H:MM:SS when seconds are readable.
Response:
**1:05**
